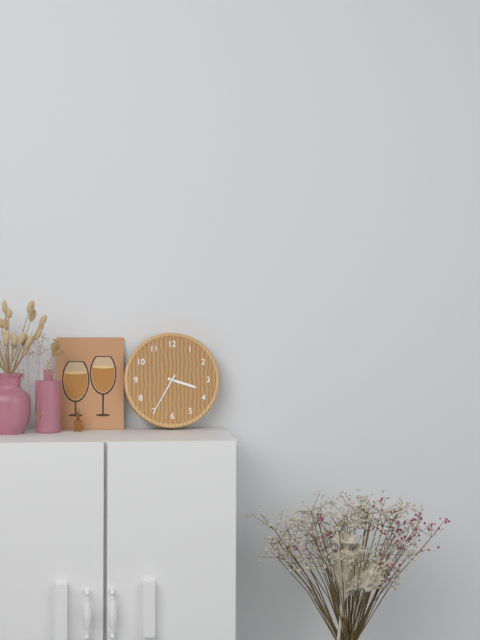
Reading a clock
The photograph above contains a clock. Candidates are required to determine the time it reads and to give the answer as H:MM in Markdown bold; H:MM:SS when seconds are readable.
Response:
**3:35**
